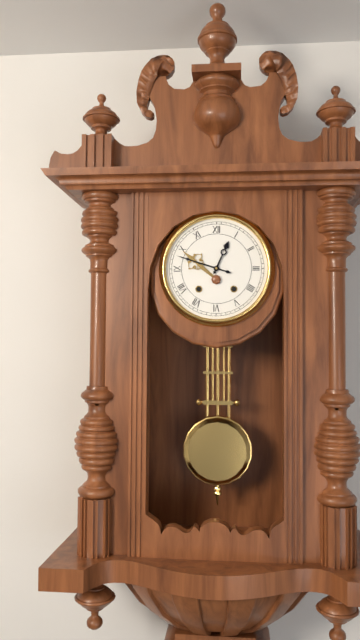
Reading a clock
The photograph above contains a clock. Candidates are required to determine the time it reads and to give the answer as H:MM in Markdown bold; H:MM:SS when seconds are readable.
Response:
**12:48**
